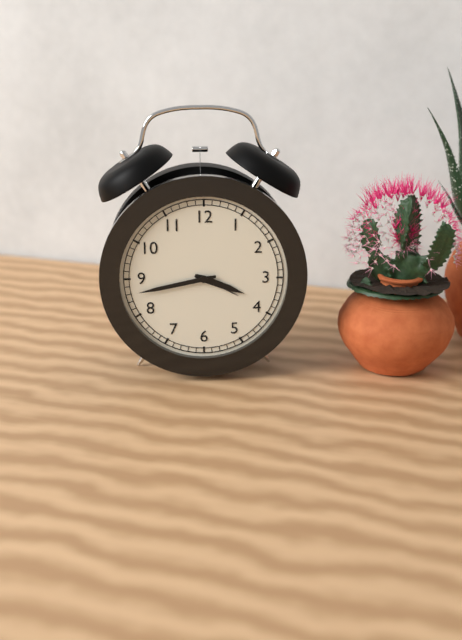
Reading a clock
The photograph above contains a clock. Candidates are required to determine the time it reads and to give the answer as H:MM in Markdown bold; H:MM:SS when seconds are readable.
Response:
**3:43**
